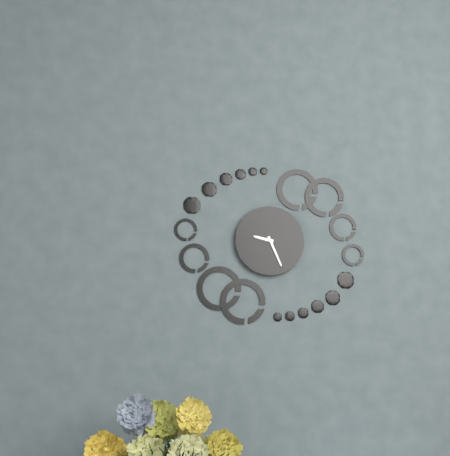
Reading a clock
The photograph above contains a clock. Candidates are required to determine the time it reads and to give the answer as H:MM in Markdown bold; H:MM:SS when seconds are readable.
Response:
**9:26**
